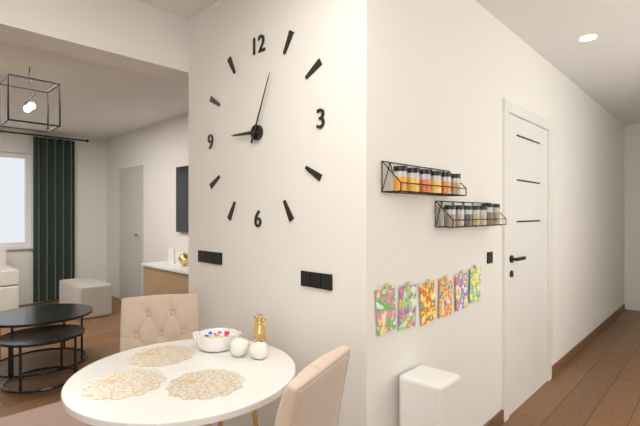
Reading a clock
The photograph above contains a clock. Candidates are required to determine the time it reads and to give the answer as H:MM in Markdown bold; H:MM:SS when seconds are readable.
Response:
**9:04**
